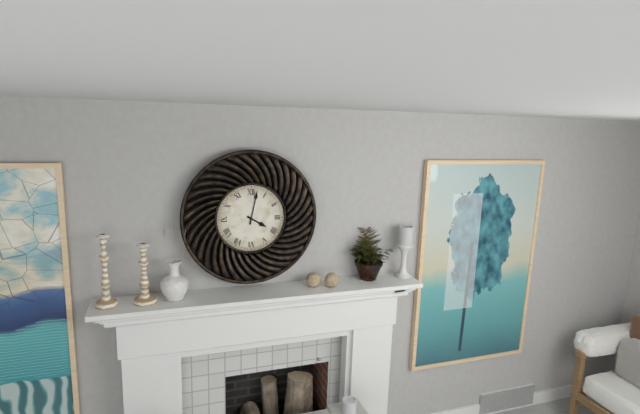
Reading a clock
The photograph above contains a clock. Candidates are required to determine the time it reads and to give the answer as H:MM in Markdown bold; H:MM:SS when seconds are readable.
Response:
**4:02**
